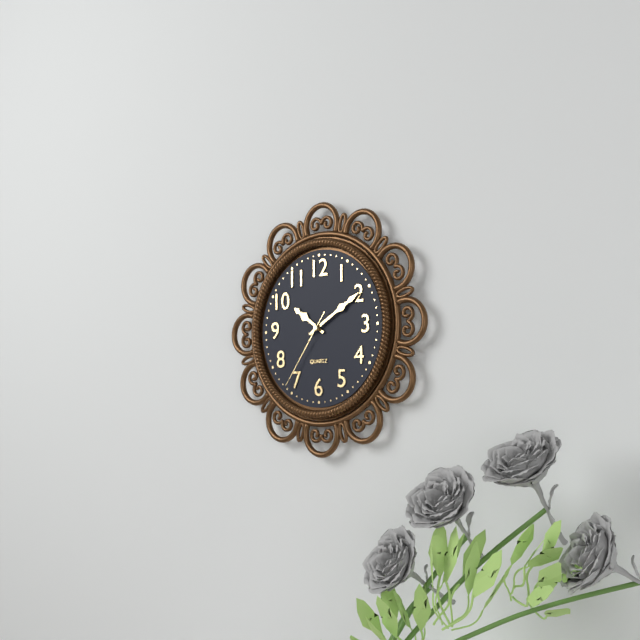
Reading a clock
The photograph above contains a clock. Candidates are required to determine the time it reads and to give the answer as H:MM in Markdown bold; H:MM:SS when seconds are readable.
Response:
**10:10:36**
